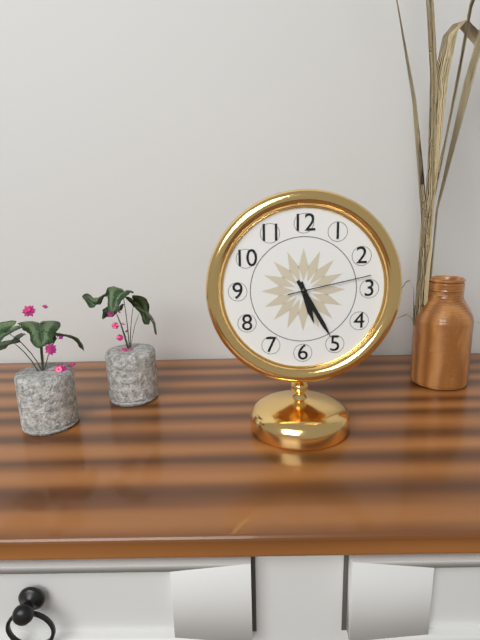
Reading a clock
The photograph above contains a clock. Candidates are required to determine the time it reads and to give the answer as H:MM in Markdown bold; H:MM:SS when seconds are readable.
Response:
**5:25:13**
